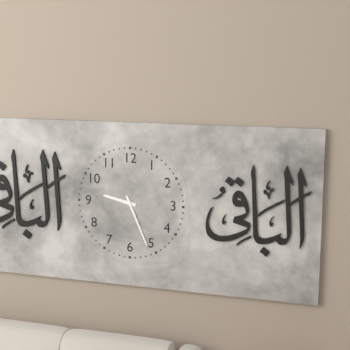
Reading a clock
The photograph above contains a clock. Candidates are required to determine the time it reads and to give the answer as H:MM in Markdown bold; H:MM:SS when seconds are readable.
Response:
**9:26**
